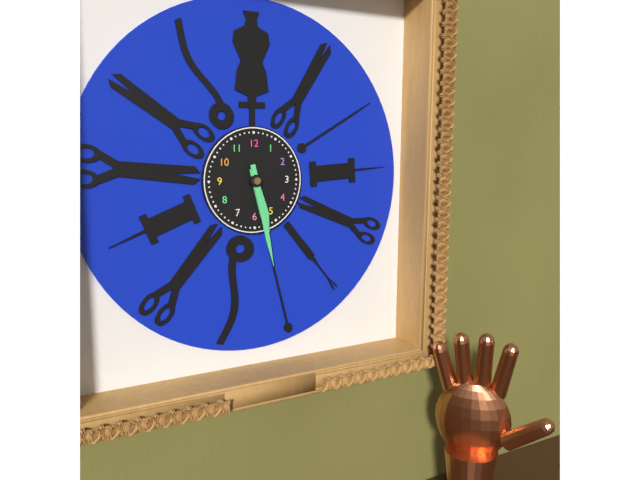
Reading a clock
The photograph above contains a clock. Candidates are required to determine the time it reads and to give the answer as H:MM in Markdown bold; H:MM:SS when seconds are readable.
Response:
**5:28**
